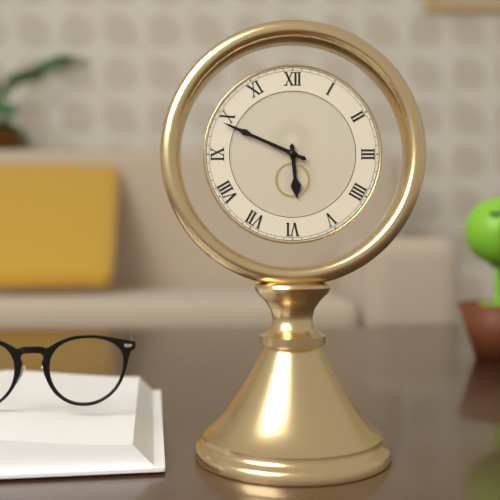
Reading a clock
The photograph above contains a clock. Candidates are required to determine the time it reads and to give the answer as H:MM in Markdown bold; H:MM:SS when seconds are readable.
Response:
**5:49**
